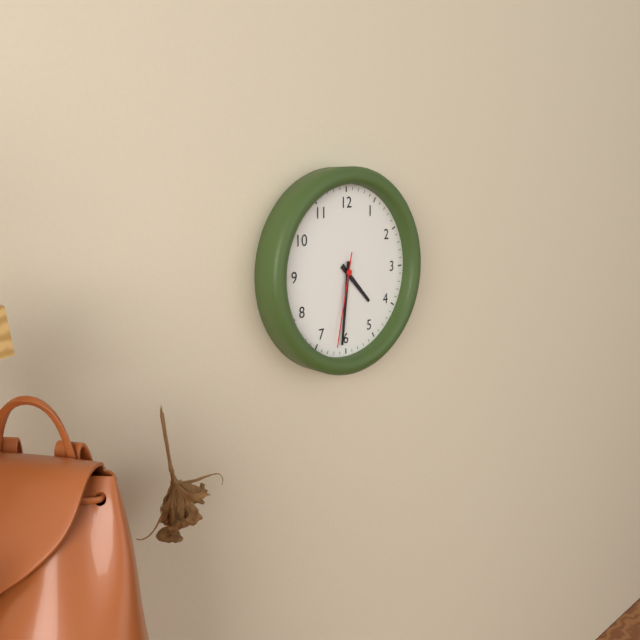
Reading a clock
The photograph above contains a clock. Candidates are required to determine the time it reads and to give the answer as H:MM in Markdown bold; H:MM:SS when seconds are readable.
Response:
**4:31:32**
